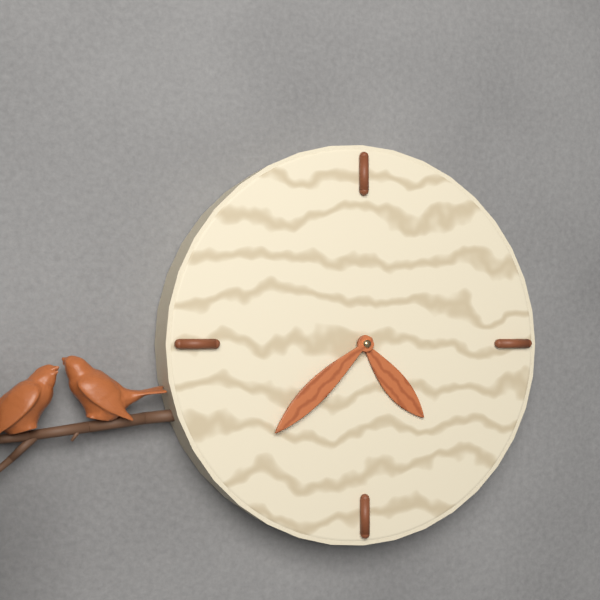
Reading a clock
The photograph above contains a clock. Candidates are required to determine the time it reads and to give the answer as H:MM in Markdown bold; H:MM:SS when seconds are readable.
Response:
**4:38**
